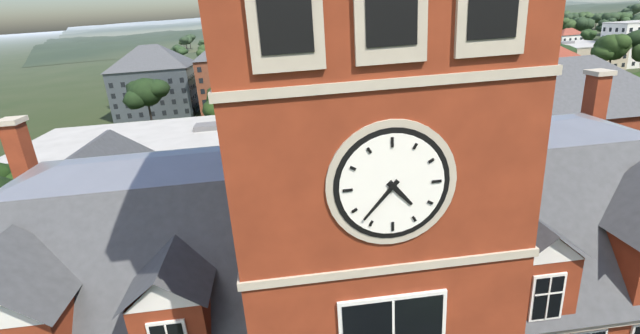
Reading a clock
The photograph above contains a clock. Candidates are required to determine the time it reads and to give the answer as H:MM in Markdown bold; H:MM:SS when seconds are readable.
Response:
**4:37**
